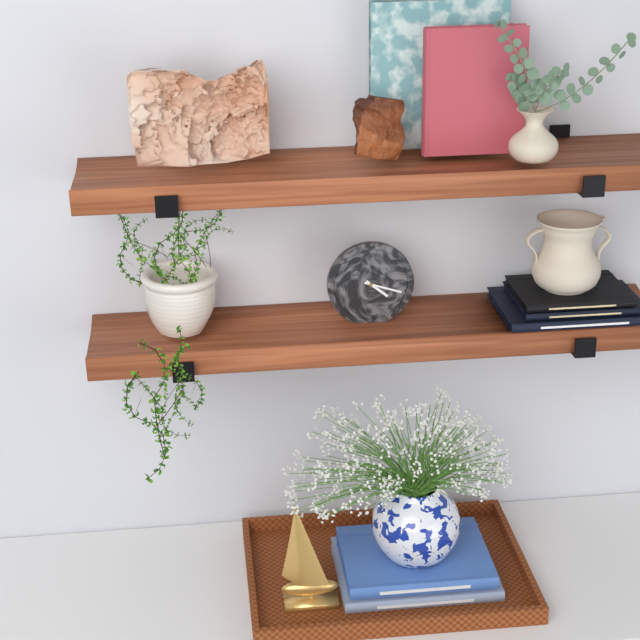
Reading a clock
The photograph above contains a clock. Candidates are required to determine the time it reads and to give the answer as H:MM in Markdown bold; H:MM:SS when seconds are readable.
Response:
**4:18**
